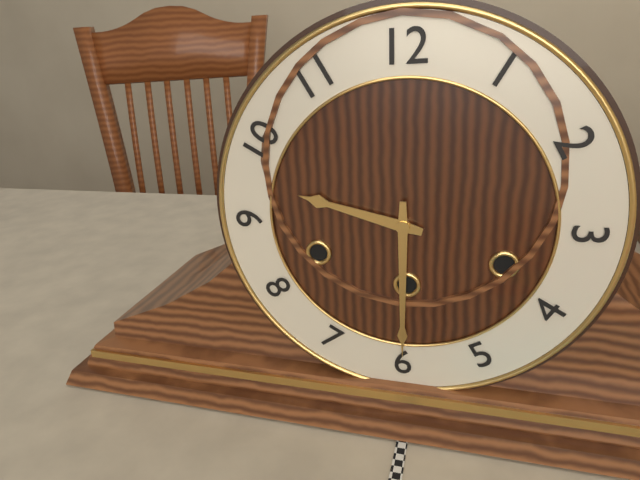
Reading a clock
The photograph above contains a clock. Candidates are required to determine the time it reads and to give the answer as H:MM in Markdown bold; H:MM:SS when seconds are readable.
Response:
**9:30**
